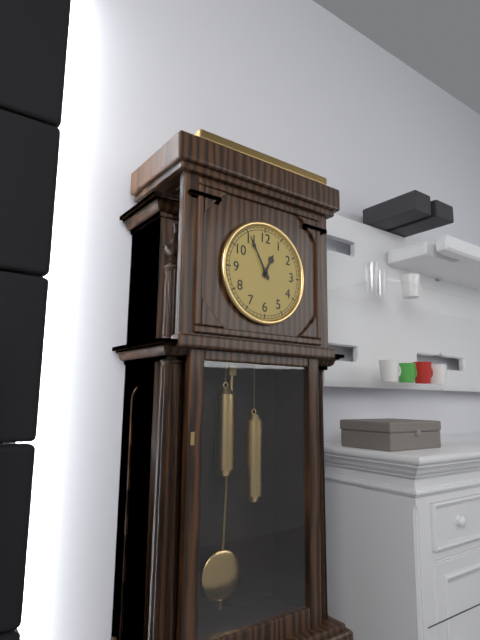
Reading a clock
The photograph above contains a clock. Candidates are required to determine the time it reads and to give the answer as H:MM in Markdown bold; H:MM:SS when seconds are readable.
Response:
**12:55**
